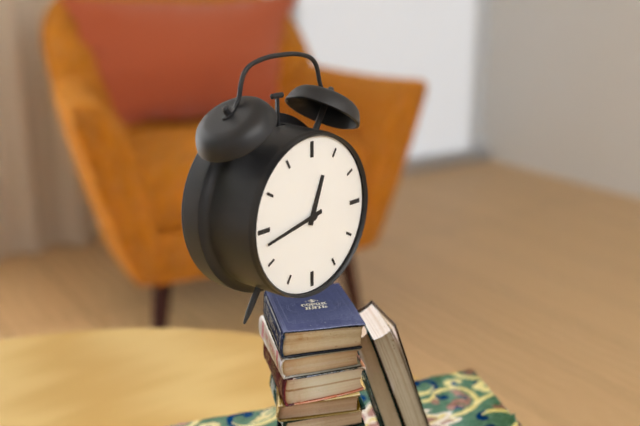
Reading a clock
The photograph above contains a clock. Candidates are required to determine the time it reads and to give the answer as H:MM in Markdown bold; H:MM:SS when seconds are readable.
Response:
**12:43**
